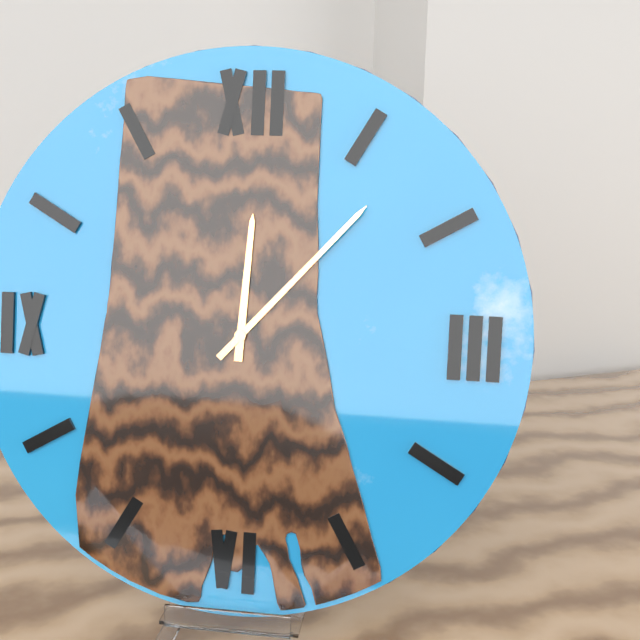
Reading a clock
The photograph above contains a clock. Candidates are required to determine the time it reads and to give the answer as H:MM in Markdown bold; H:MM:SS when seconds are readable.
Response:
**12:07**
